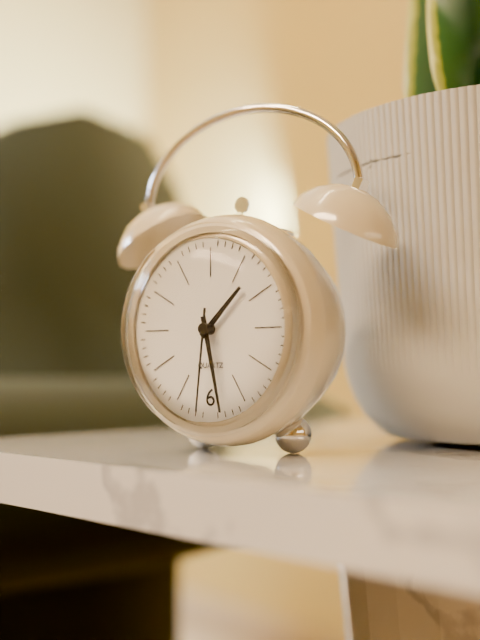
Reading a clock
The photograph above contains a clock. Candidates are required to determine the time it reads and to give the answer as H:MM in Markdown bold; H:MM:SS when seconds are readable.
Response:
**1:28:31**
